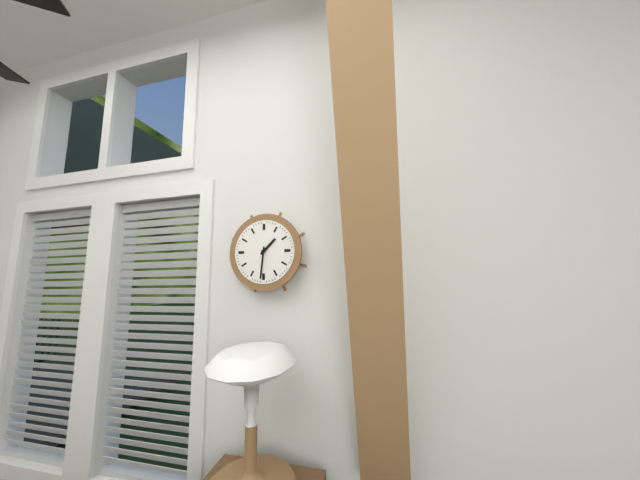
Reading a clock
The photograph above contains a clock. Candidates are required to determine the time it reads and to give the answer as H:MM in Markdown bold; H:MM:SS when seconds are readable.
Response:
**1:31**
